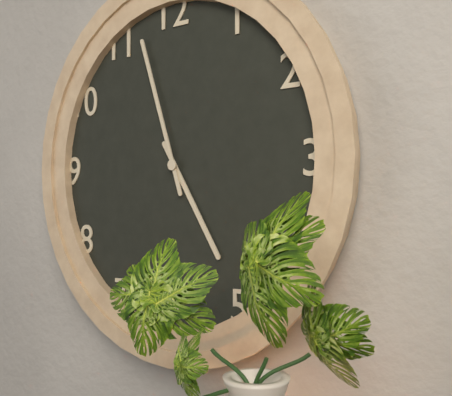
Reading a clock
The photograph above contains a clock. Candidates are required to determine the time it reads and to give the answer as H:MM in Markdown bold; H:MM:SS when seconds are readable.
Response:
**4:57**
